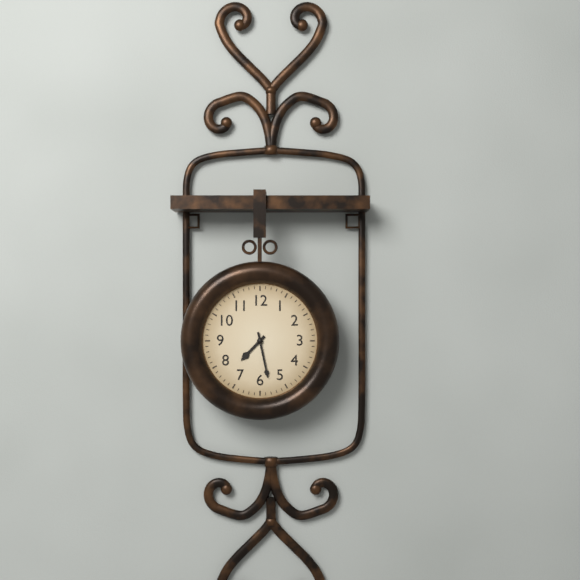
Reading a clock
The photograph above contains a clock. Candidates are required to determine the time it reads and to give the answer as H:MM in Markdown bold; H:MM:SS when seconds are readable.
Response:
**7:28**
